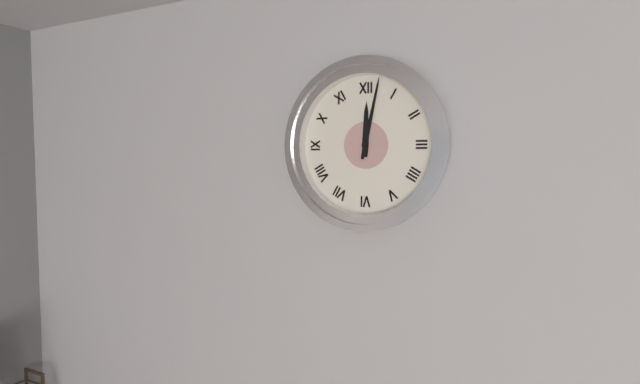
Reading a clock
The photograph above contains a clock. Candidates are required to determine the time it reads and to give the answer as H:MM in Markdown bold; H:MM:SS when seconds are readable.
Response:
**12:02**
